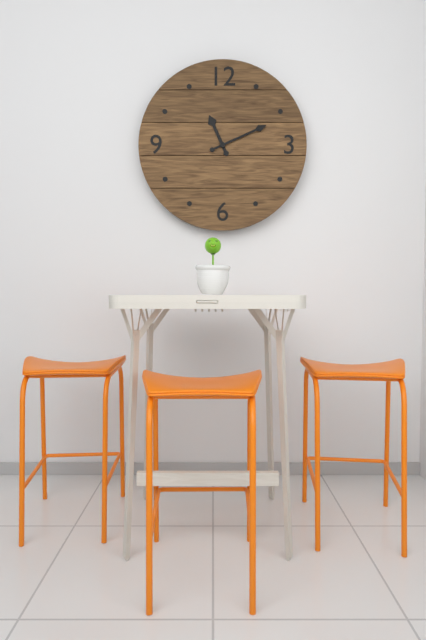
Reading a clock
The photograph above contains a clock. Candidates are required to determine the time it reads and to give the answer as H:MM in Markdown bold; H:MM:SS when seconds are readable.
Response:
**11:11**
